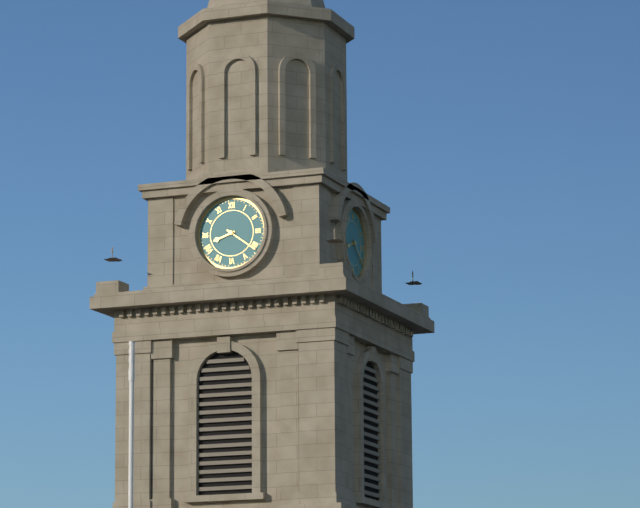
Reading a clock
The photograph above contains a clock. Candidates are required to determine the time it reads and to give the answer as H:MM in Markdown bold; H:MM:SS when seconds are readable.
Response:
**8:21**
